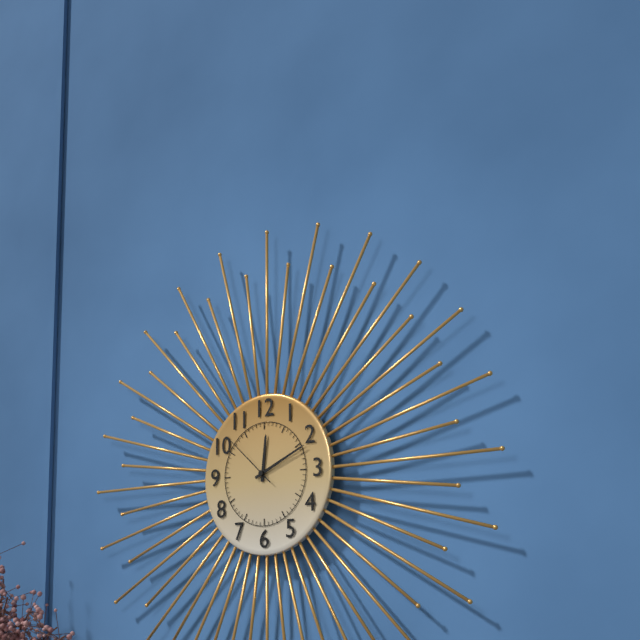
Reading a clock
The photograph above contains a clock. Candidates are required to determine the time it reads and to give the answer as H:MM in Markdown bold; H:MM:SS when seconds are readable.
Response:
**12:11:52**
